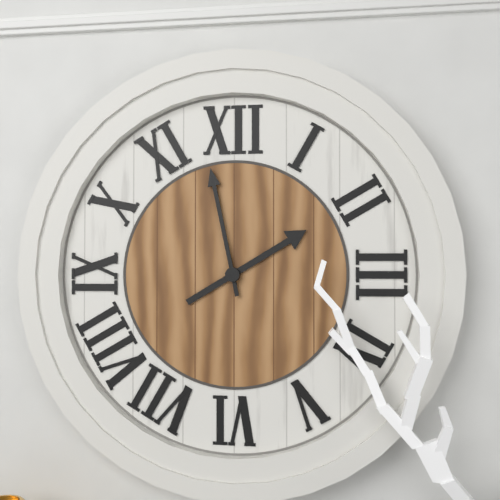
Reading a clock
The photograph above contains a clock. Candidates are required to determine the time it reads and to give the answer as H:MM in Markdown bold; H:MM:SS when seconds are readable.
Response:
**1:58**
